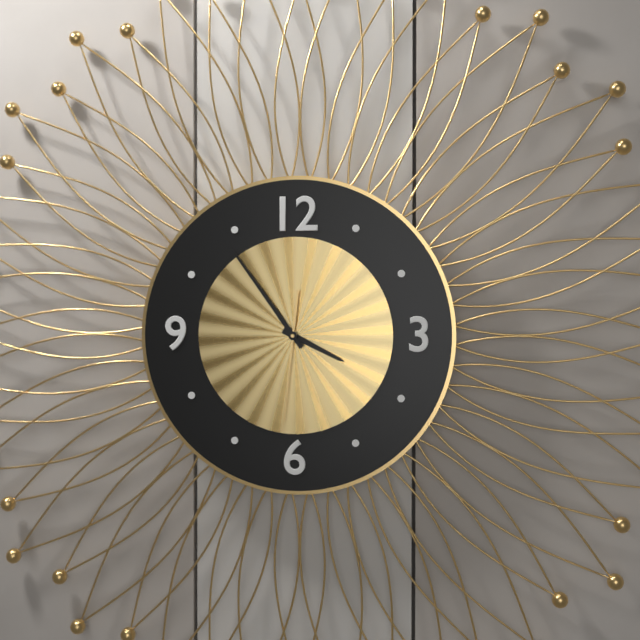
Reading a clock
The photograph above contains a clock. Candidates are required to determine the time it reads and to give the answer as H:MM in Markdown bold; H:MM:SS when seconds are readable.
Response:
**3:54:31**
